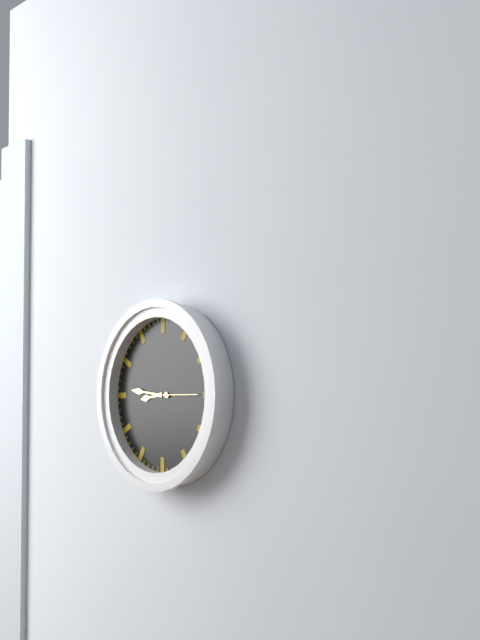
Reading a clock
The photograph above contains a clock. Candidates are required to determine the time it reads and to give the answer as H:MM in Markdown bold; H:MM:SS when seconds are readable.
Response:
**8:46**
